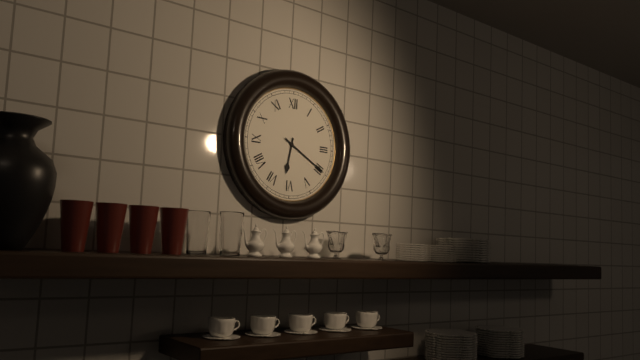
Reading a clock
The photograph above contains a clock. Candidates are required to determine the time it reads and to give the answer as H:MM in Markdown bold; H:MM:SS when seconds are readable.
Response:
**6:20**
